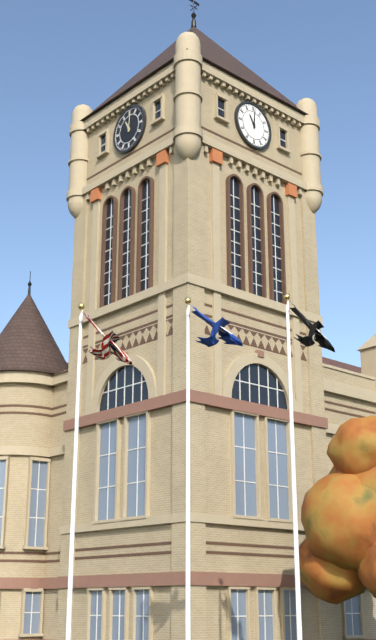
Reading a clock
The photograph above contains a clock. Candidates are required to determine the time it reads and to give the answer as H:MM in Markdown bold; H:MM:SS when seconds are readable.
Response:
**11:01**
